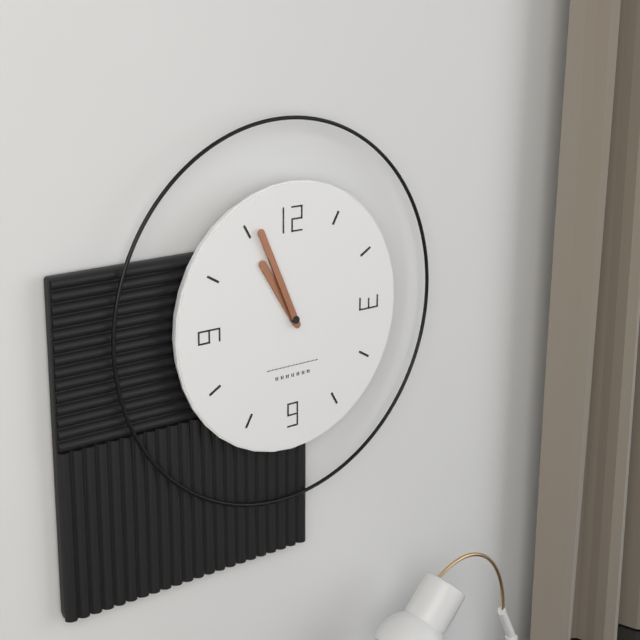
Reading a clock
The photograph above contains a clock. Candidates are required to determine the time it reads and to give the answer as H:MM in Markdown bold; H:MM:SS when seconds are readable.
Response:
**10:56**
